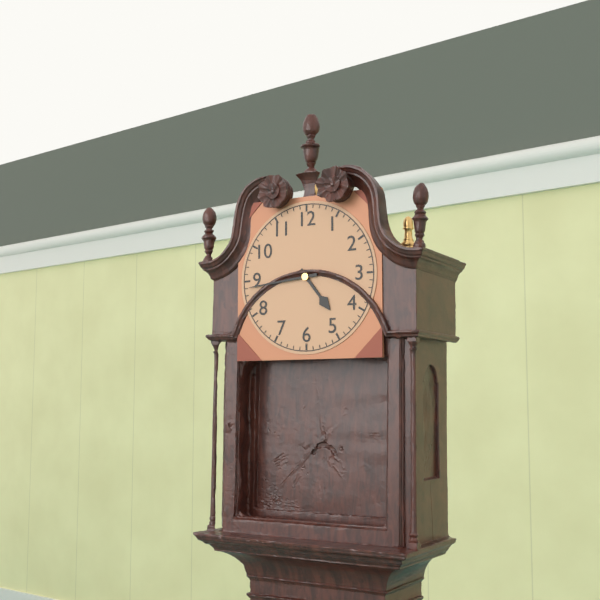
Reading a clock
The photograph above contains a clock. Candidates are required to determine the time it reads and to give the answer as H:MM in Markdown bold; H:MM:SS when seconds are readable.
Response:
**4:44**
